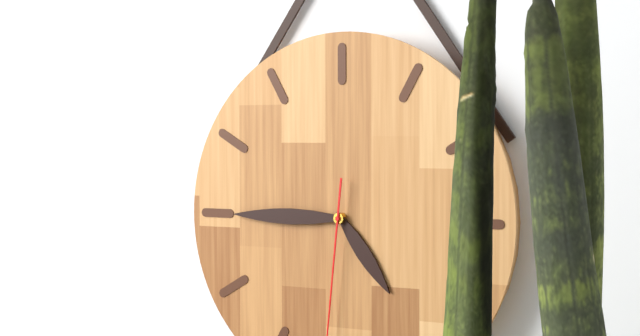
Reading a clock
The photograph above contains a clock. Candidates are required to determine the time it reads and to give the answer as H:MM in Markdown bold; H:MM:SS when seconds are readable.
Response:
**4:45**
